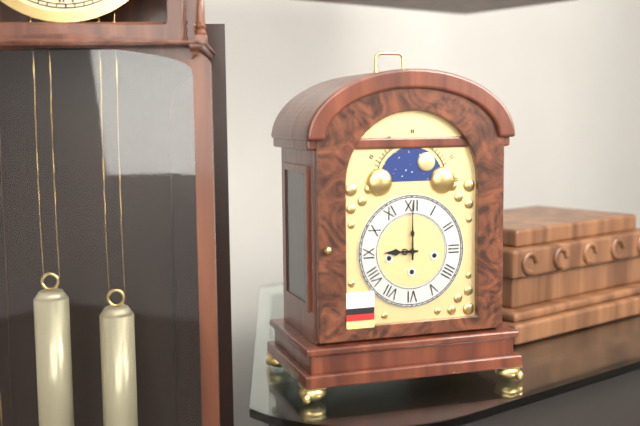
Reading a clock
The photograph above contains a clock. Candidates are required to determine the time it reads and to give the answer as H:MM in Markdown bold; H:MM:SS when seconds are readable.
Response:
**9:00**
